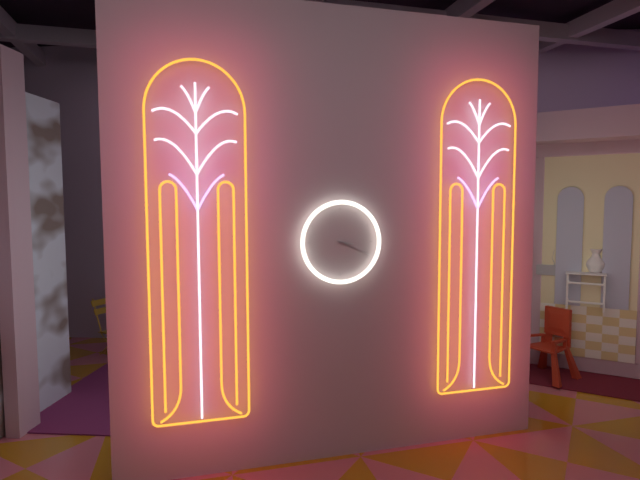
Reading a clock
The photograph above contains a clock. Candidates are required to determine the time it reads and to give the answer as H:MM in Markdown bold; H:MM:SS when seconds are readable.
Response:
**3:19**
